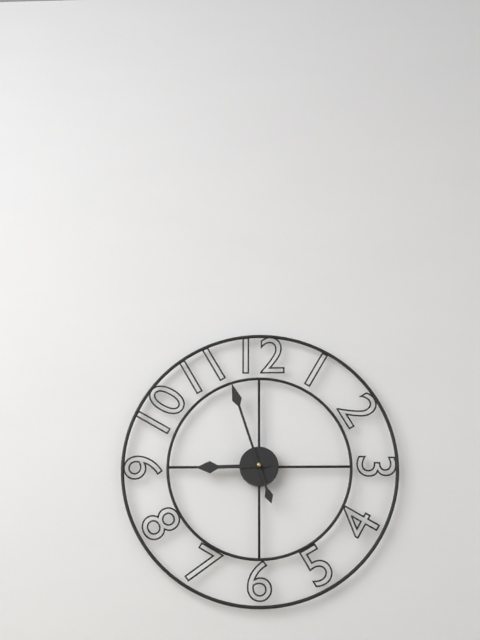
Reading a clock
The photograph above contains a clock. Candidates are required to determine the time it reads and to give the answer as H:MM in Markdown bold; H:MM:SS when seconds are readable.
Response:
**8:57**
